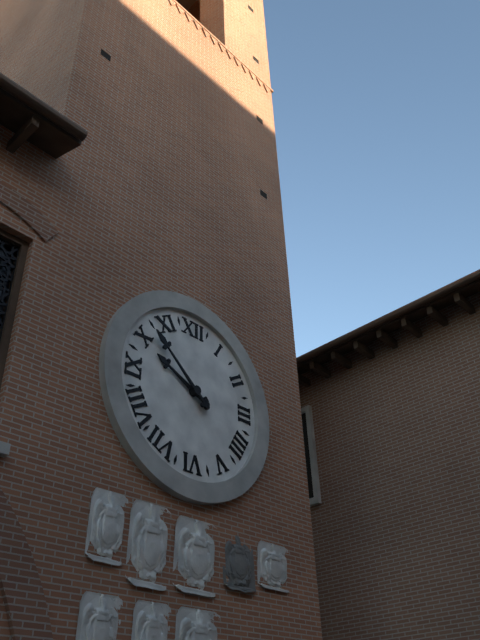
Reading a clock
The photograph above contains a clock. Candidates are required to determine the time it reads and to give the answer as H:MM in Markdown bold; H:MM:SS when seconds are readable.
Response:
**9:52**
